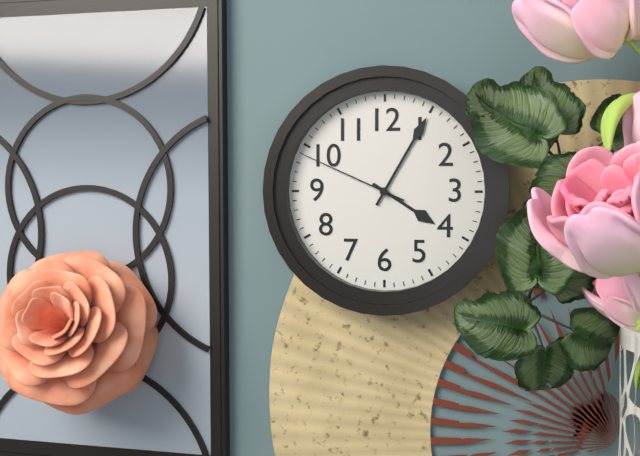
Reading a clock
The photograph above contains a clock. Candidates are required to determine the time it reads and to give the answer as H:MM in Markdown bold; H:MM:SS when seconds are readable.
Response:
**4:05:49**
